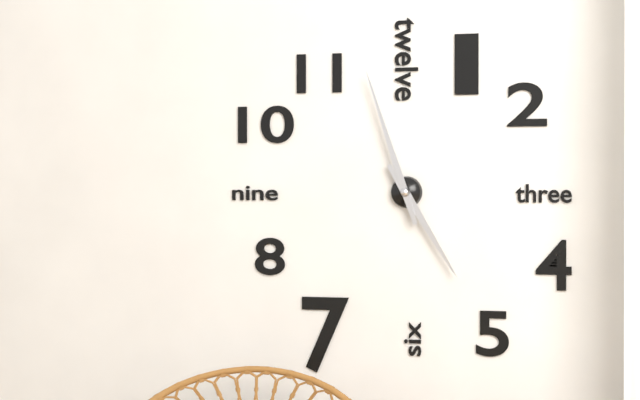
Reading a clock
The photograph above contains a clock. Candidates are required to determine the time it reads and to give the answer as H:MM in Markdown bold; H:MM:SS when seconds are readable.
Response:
**4:57**
